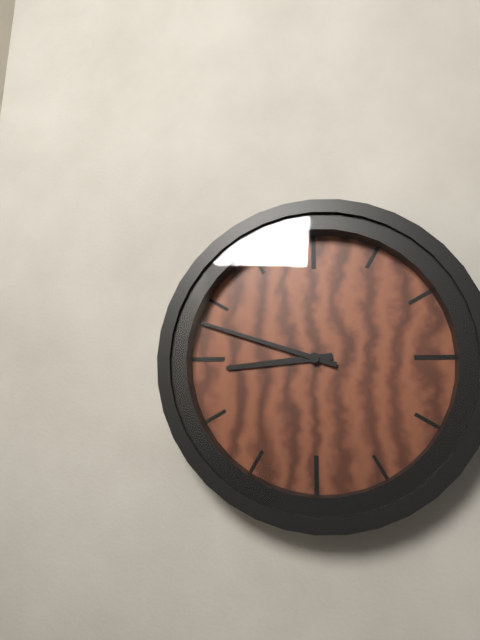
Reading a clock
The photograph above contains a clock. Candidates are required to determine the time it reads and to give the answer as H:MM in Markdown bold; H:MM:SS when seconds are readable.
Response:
**8:48**
